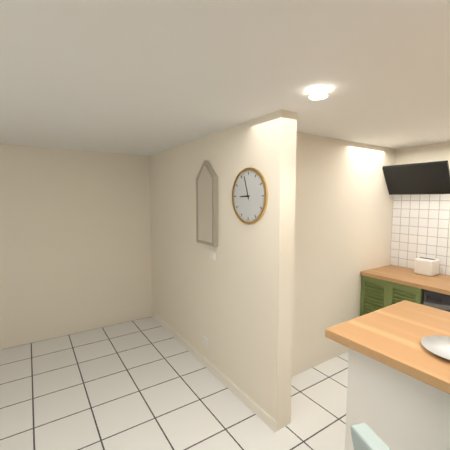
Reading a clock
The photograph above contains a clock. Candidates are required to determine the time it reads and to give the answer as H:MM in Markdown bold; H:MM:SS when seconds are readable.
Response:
**8:57**
